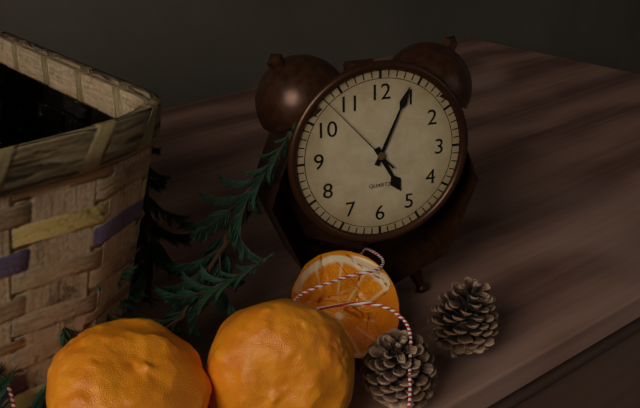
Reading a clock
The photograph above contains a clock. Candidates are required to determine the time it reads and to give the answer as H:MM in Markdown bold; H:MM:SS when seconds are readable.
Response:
**5:04:53**
